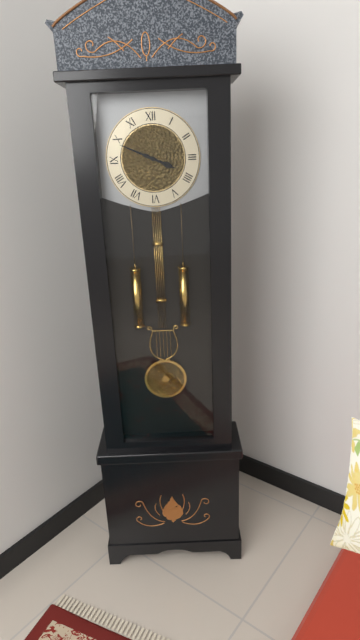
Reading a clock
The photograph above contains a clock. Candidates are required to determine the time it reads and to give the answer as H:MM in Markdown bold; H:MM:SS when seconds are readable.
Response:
**3:49**
